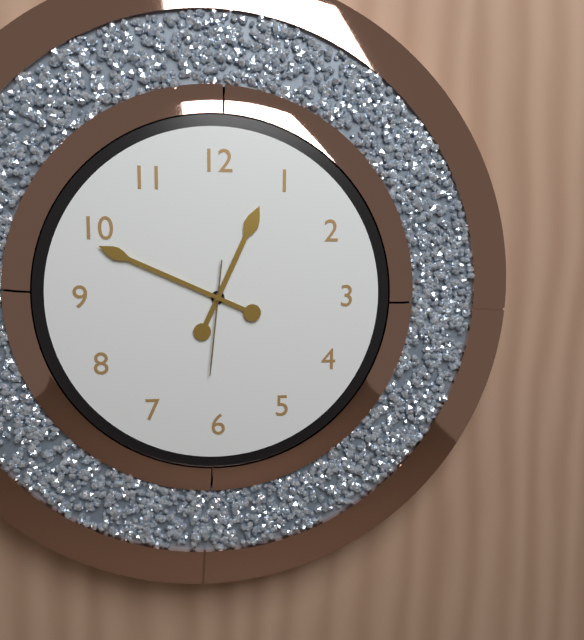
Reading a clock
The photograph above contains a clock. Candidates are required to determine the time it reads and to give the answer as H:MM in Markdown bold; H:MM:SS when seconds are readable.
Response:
**12:49:31**
